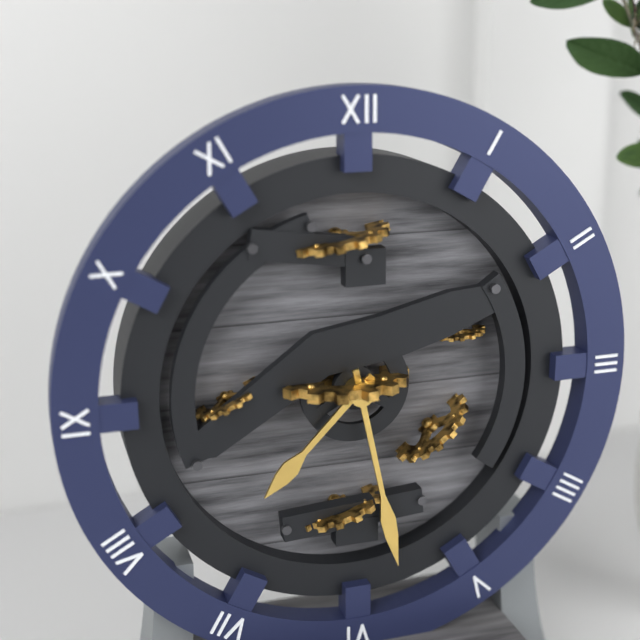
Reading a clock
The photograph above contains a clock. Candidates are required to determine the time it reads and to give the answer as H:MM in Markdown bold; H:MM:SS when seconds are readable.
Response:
**7:28**
